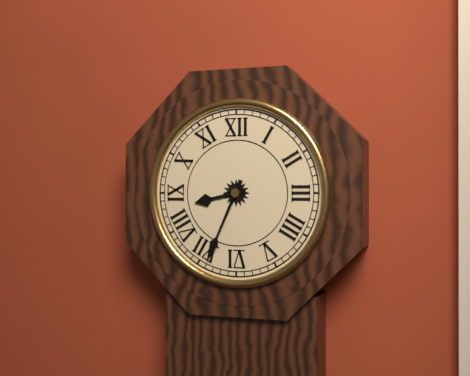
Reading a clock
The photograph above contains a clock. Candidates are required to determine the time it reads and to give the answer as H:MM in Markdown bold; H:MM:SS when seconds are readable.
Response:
**8:34**
